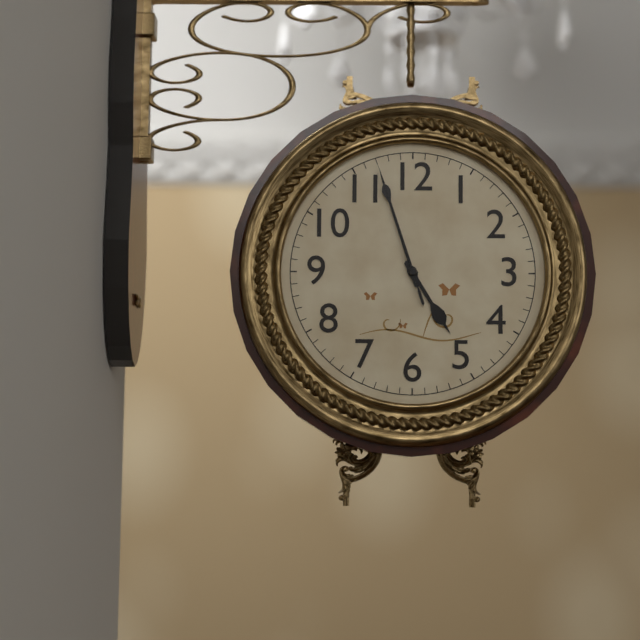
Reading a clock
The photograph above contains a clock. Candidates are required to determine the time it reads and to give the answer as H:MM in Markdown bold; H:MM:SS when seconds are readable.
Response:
**4:57:57**
